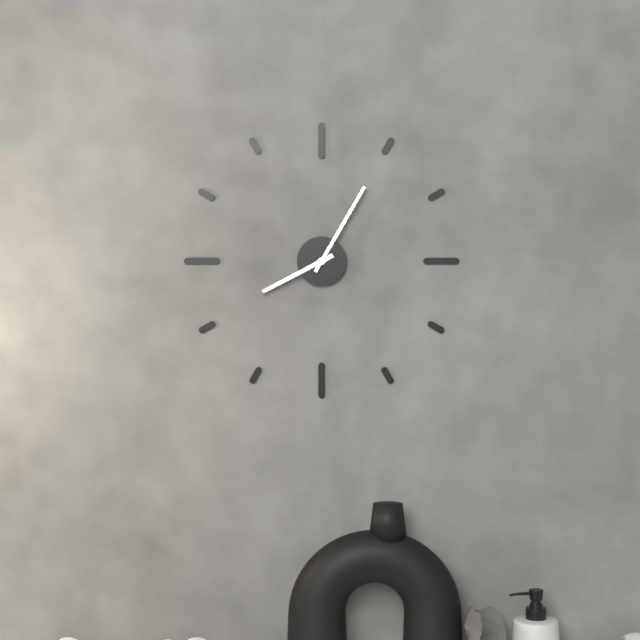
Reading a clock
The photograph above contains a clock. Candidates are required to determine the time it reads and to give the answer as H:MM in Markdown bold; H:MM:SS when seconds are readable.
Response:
**8:05**
